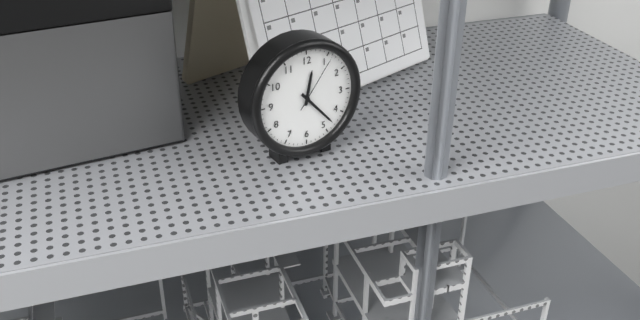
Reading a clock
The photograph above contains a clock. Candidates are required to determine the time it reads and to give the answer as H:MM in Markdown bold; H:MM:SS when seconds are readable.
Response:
**12:23:06**
